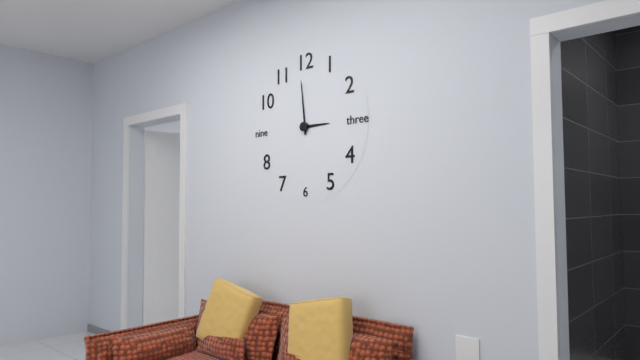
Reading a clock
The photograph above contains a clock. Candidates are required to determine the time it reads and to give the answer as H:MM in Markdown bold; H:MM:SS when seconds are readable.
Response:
**2:59**
